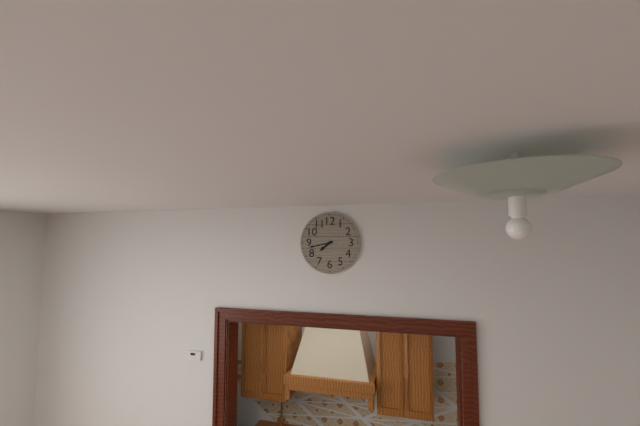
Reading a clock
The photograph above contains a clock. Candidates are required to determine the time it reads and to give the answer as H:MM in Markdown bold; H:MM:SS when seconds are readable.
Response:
**7:43**
